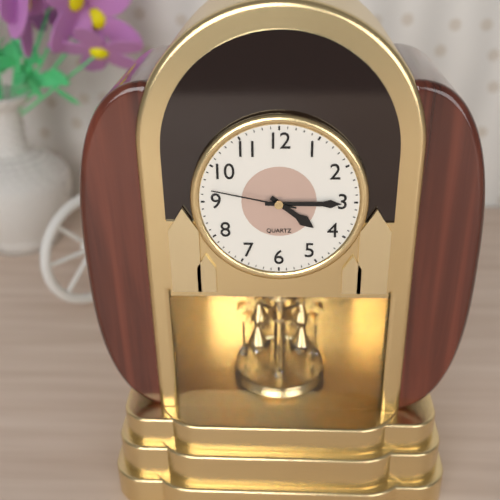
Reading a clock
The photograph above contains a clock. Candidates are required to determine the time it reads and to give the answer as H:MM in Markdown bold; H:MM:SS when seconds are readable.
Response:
**4:15:47**
